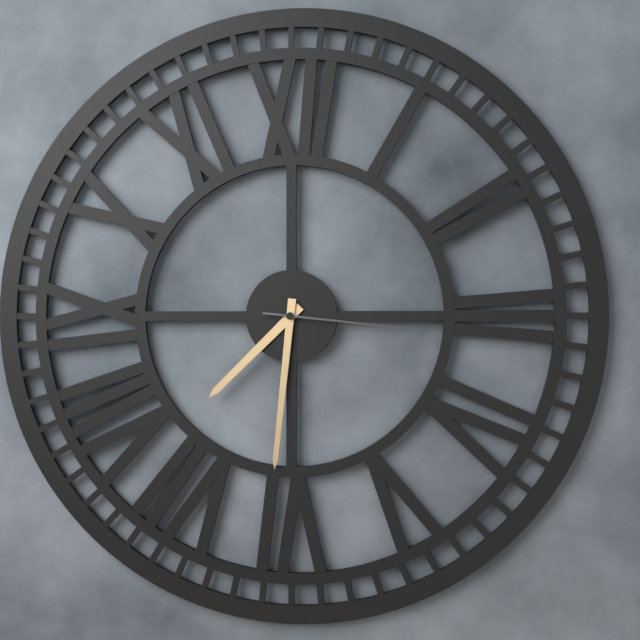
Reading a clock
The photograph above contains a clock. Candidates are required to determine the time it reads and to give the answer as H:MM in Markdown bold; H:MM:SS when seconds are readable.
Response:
**7:31:16**
